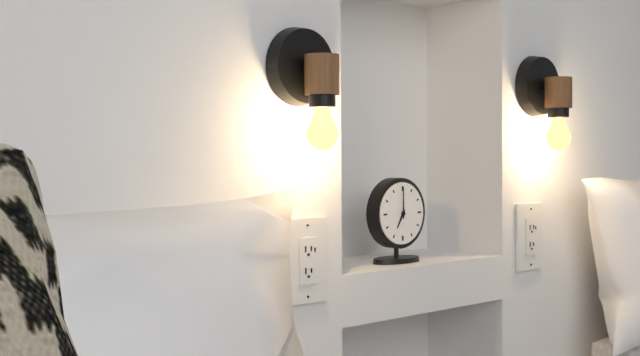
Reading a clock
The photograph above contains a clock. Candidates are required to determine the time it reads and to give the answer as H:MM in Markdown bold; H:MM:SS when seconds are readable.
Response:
**7:00**
